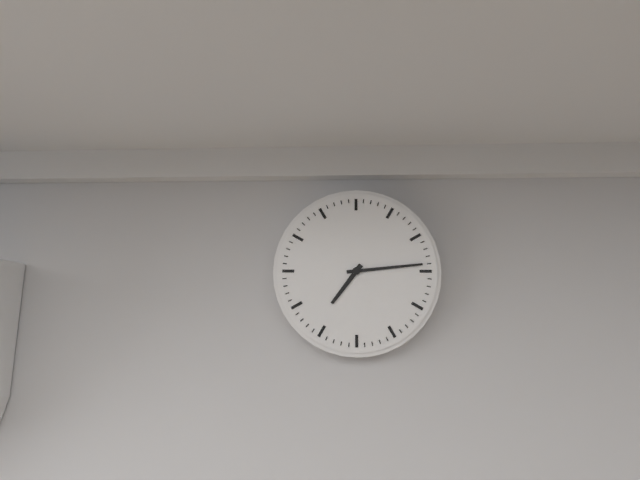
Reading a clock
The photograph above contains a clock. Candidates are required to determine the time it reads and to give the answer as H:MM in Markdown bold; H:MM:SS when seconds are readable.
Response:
**7:14**
